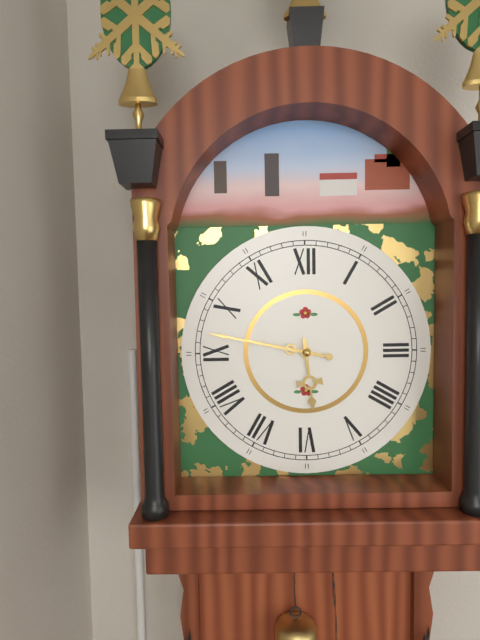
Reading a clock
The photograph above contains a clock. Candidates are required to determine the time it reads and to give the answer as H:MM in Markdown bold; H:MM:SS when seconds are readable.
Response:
**5:47**
